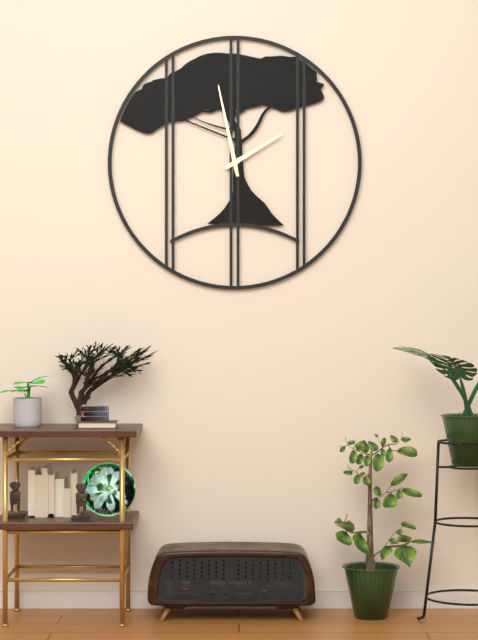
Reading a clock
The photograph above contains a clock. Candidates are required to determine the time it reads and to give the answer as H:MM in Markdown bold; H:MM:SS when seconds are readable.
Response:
**1:58**
